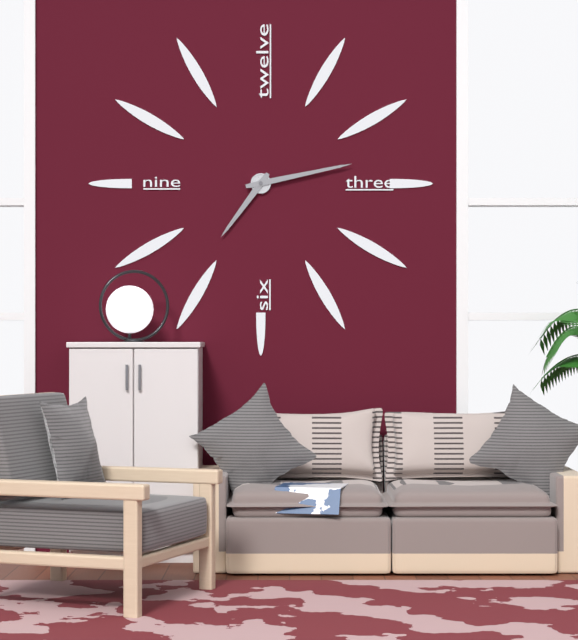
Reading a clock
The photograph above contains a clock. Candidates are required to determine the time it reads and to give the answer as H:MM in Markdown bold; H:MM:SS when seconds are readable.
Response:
**7:13**
